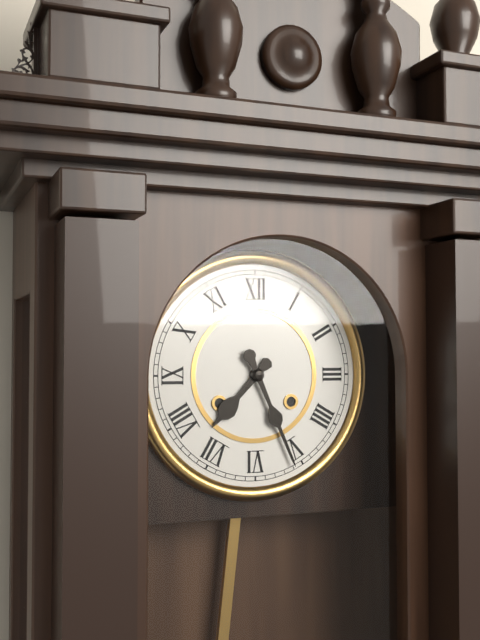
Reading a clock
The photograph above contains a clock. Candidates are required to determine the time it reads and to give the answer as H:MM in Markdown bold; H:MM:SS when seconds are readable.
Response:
**7:26**
